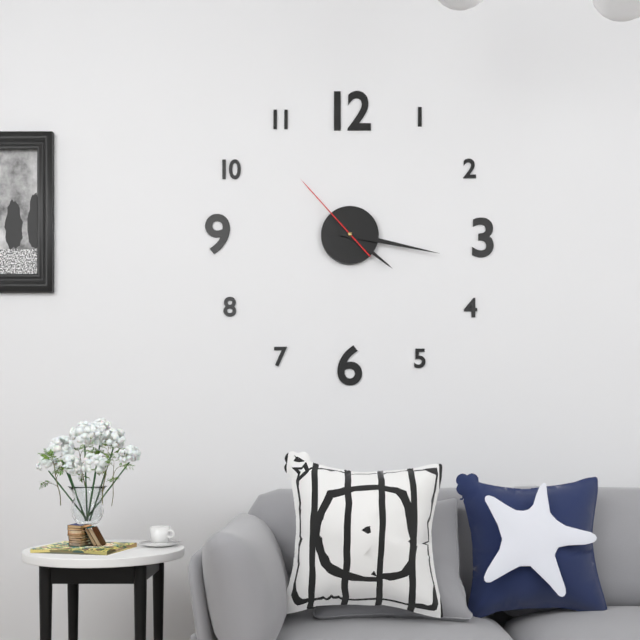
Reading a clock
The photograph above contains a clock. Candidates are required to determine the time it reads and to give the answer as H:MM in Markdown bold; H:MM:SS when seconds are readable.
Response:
**4:17:53**
